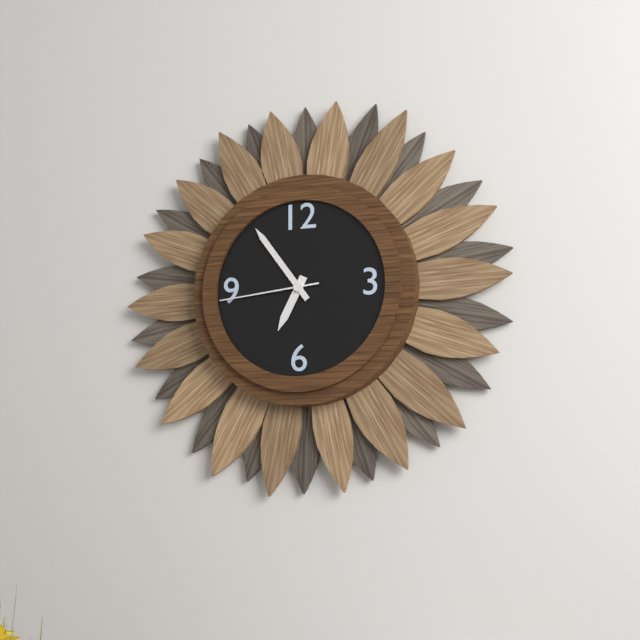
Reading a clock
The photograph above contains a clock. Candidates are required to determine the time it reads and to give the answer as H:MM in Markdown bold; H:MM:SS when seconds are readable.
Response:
**6:54:44**
